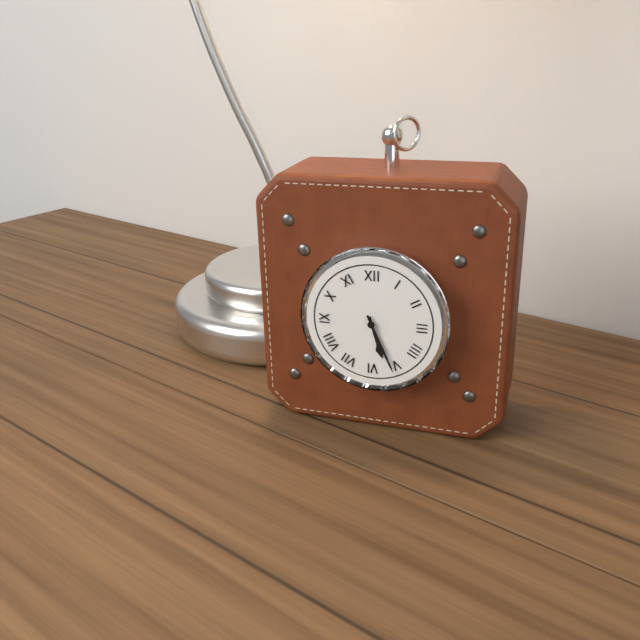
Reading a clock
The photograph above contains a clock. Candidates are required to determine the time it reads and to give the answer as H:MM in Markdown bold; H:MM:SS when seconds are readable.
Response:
**5:26**
